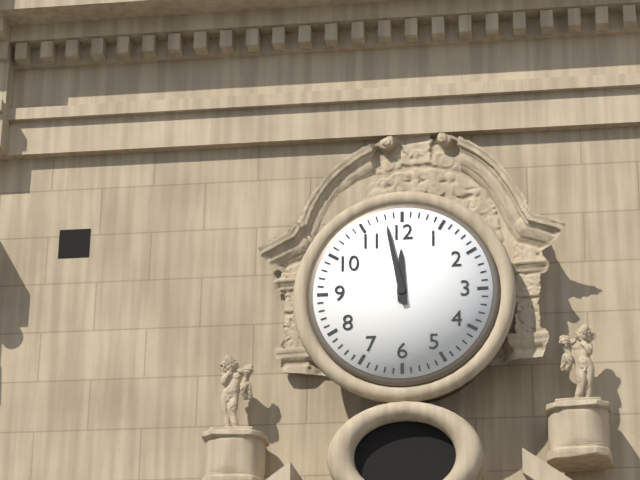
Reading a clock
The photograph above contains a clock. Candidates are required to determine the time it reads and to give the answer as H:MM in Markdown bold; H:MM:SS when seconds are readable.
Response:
**11:58**
